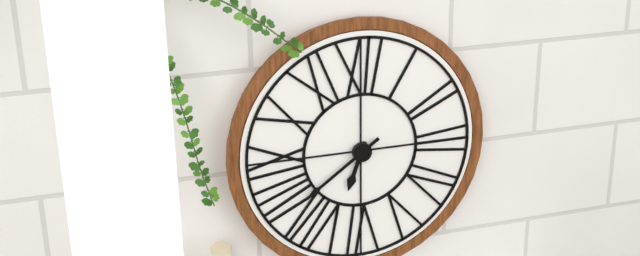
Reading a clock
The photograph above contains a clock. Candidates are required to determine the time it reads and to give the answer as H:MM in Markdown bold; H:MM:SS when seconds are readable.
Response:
**6:39**
